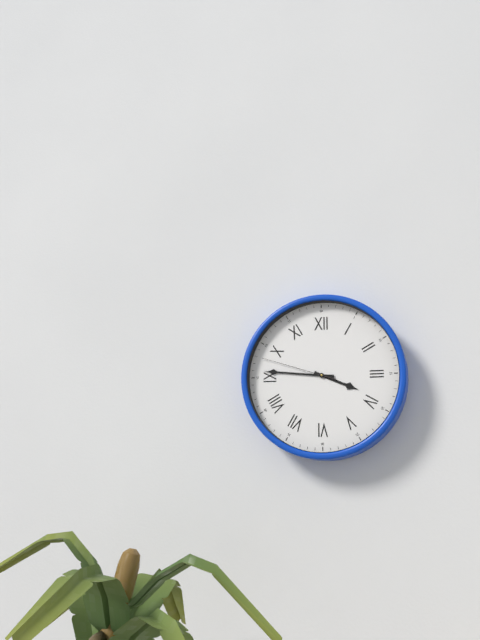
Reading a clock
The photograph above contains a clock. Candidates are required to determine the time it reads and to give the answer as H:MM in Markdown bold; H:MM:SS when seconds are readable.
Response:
**3:46:48**
